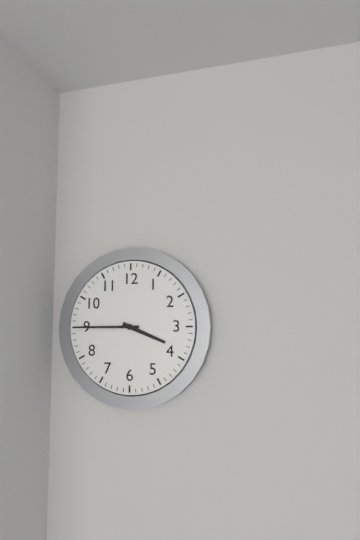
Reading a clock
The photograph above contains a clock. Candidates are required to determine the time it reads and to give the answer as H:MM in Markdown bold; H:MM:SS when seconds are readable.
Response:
**3:45**
